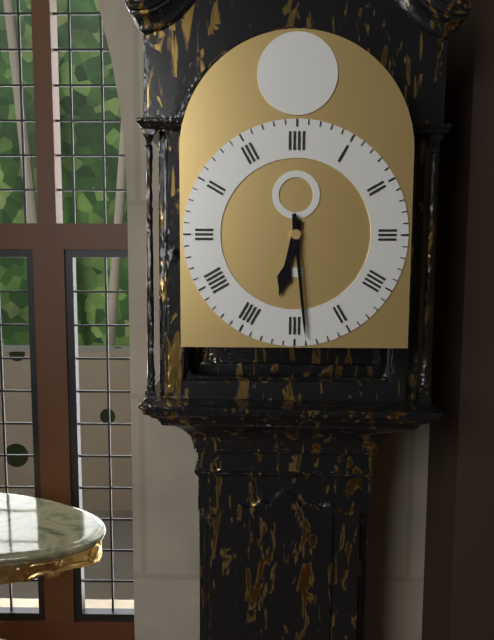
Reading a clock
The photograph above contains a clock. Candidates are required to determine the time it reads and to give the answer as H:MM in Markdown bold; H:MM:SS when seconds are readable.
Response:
**6:29**
